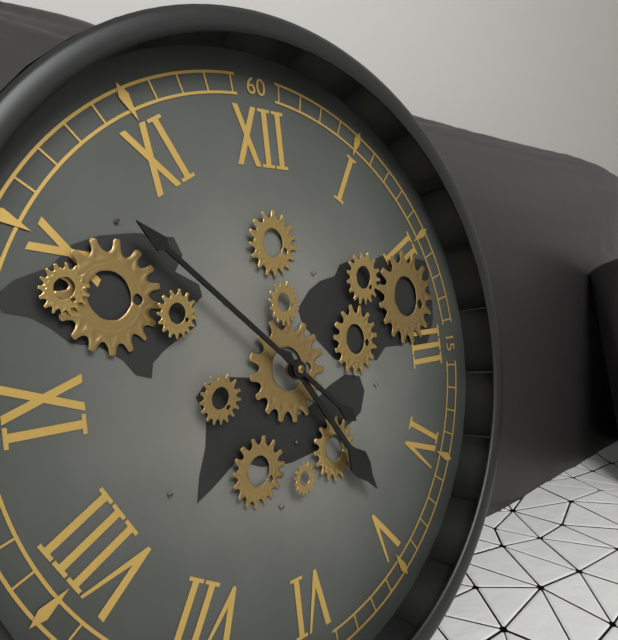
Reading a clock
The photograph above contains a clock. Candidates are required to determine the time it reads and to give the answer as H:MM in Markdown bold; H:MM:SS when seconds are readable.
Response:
**4:52**
